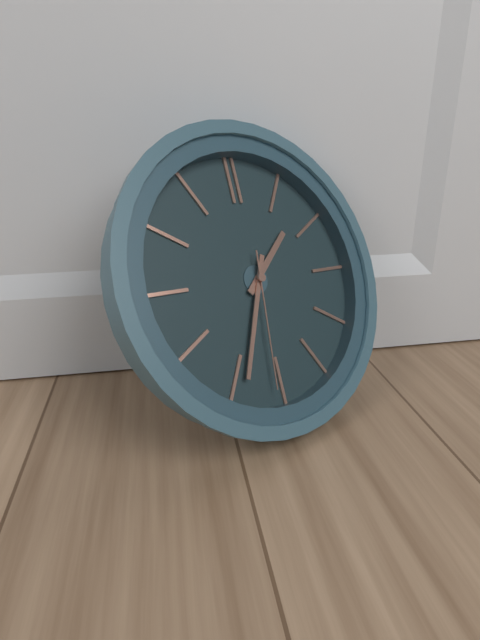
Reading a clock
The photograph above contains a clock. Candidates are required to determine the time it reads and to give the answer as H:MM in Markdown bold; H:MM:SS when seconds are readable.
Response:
**1:34:31**
